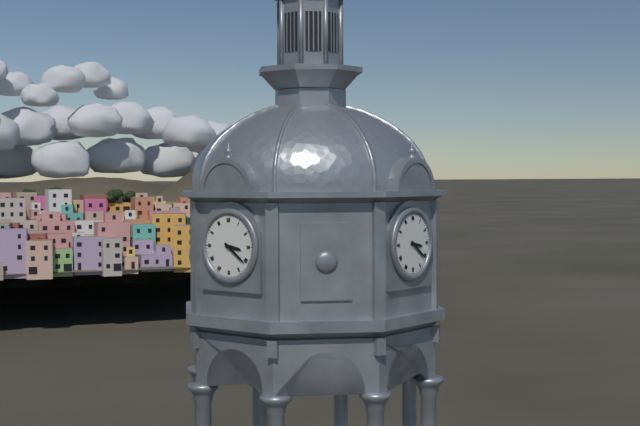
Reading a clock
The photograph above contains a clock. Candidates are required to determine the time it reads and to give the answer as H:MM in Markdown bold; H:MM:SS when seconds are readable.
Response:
**3:21**
